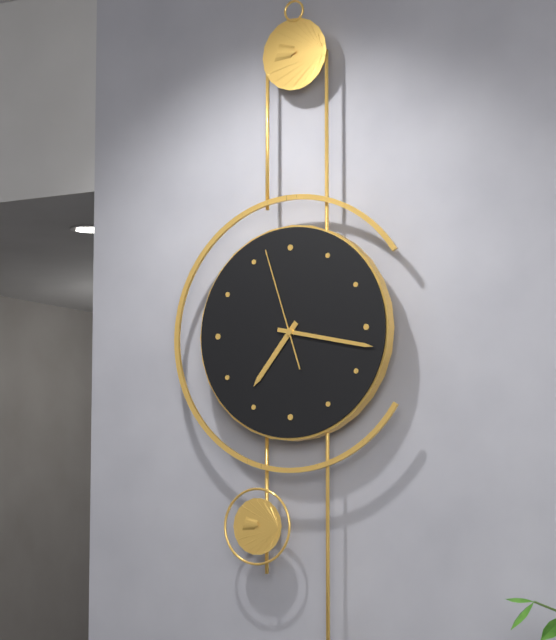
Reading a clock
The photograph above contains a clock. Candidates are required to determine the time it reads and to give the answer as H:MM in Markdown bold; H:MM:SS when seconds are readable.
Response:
**7:17:57**
